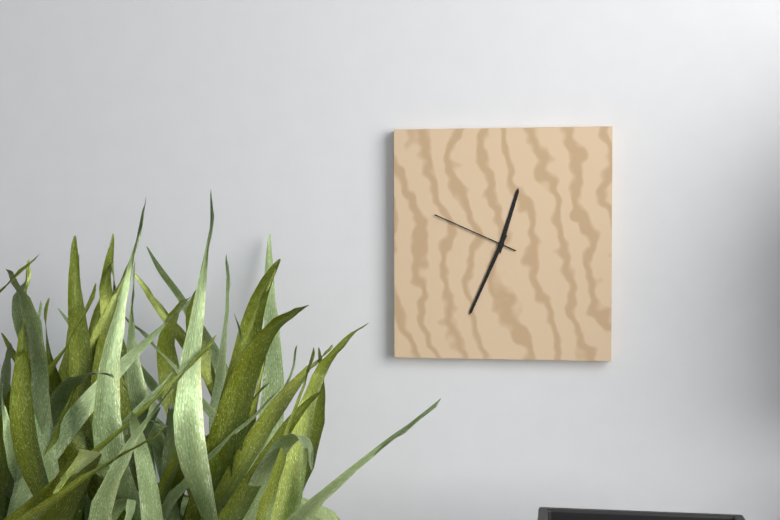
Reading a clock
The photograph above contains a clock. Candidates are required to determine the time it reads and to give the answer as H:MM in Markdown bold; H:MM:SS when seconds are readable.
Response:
**12:34:49**
